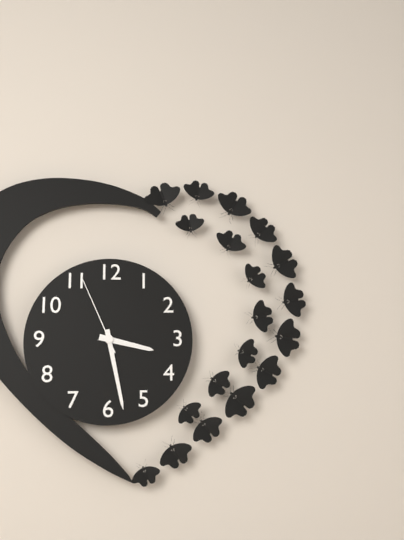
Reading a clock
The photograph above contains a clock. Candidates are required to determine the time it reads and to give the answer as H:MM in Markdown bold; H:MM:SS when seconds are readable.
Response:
**3:28:56**
